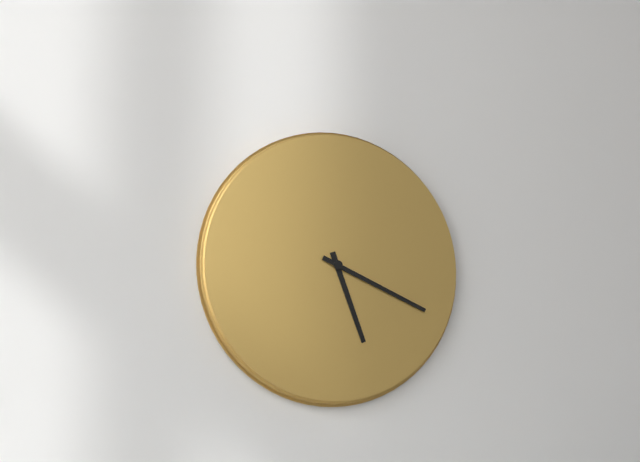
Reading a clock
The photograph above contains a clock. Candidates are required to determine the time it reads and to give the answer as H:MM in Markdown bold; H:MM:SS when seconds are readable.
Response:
**5:19**
